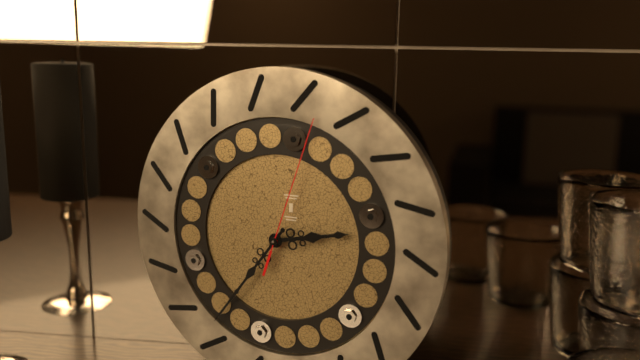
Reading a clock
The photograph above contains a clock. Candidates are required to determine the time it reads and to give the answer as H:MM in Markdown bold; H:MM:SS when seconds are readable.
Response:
**2:36:03**
